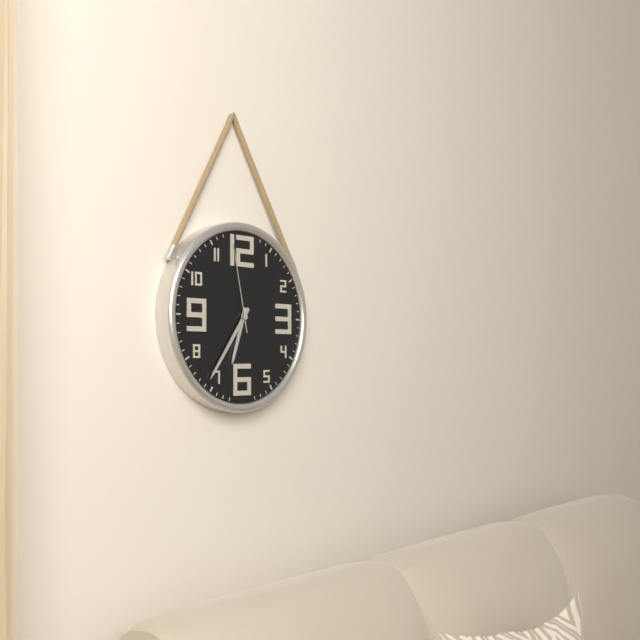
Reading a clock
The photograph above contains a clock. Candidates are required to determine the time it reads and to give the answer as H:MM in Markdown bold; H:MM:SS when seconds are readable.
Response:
**6:36:58**
